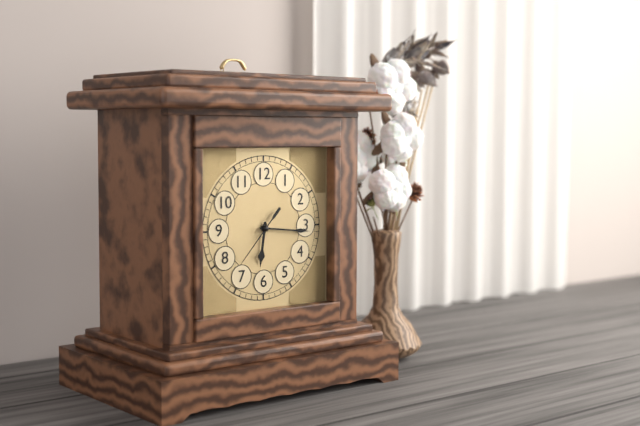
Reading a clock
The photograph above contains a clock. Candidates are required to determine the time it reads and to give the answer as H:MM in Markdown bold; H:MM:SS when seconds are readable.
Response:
**6:16:37**
